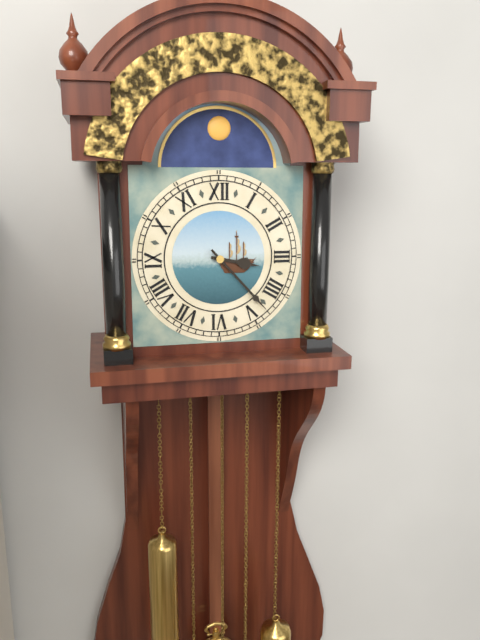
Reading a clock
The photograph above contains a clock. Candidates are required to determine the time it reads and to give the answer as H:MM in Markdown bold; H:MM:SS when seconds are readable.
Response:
**3:23**
